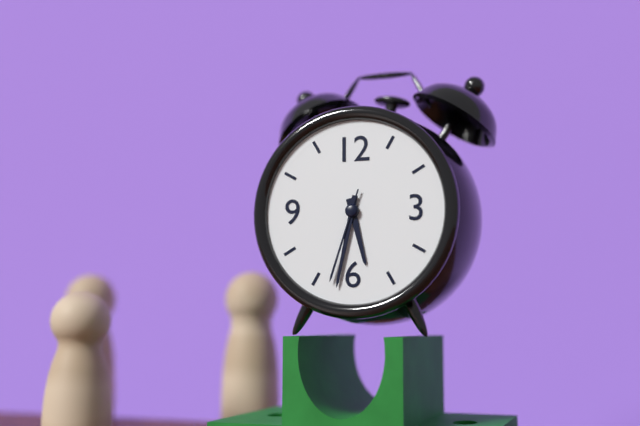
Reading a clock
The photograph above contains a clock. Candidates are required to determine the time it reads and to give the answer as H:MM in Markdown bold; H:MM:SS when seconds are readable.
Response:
**5:32:33**
